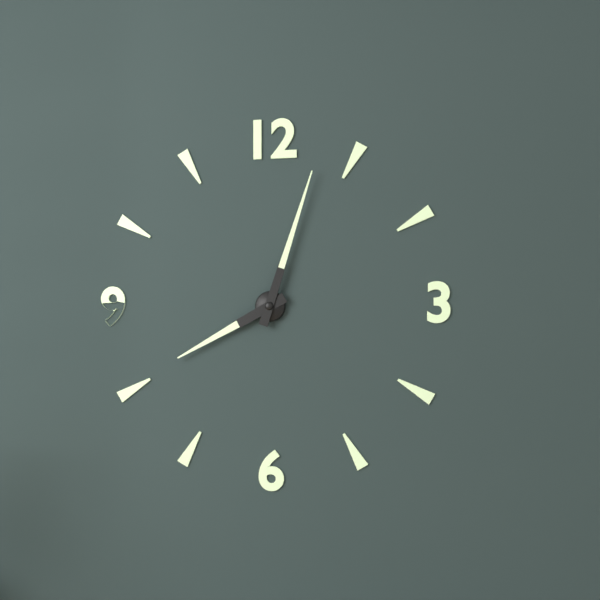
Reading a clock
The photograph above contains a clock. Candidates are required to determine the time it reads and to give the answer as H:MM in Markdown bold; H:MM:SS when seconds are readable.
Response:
**8:03**
